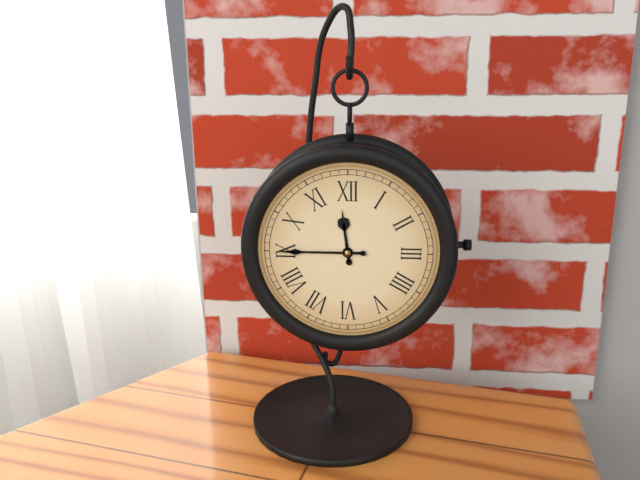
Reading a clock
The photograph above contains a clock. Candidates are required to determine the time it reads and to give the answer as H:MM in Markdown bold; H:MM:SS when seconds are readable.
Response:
**11:45**
